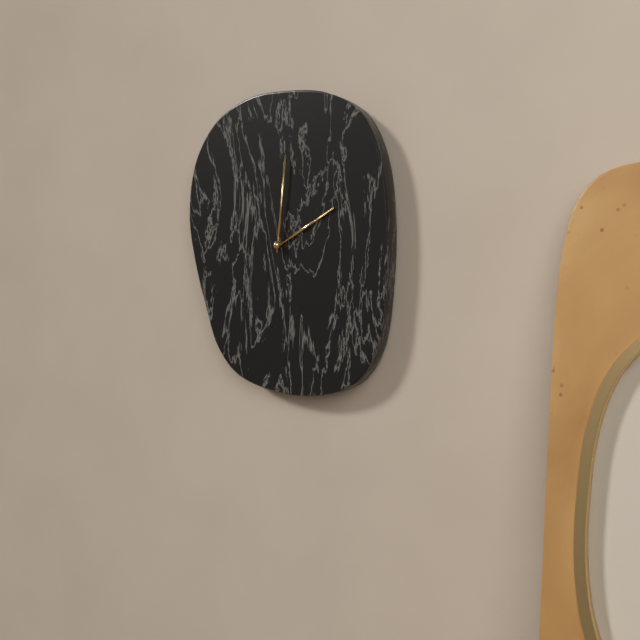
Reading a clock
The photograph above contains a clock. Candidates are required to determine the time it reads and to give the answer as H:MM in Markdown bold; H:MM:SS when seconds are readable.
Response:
**2:01**
